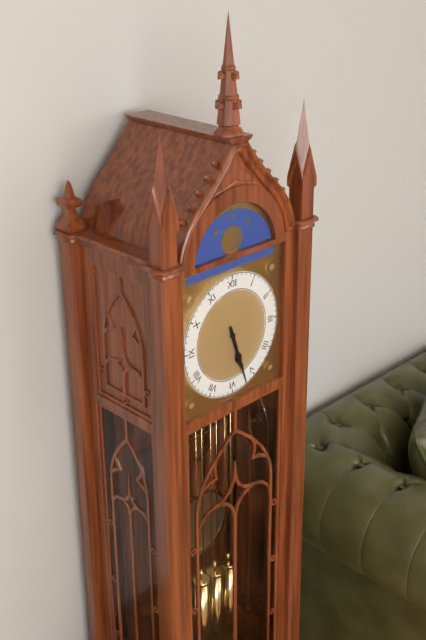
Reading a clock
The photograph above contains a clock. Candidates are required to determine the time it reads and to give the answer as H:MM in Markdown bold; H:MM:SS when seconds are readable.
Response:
**5:27**
